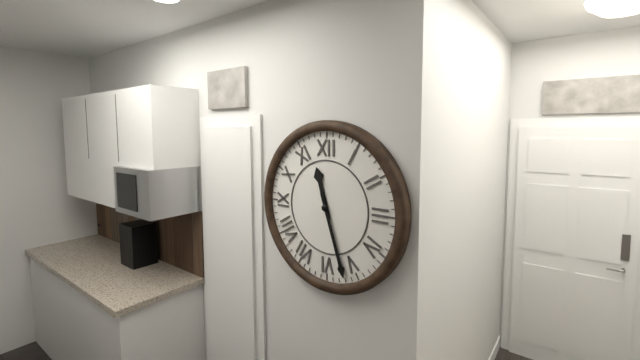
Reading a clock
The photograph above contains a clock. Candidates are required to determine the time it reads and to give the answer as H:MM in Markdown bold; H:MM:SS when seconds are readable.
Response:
**11:27**
